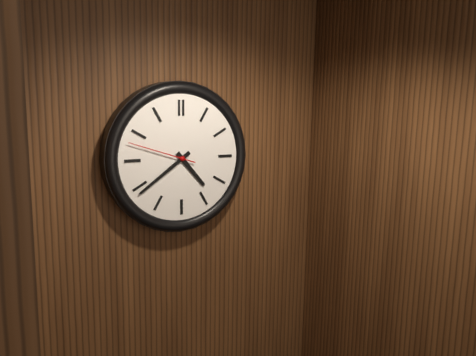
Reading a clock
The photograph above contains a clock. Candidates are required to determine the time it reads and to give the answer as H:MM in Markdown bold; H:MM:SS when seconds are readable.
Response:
**4:39:48**
